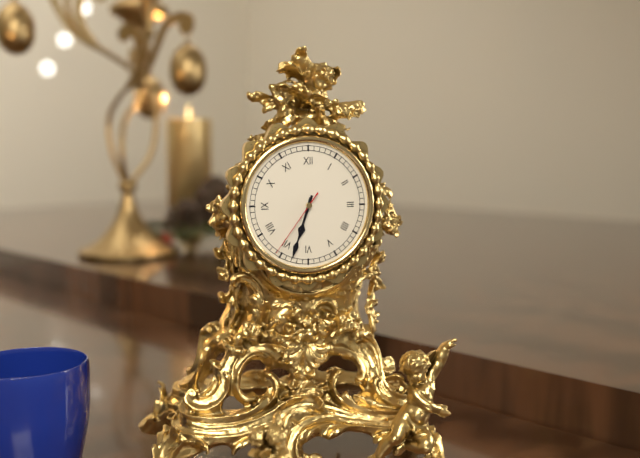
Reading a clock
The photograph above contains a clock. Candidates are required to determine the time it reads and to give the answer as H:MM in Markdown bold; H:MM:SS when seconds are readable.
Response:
**6:33:36**
